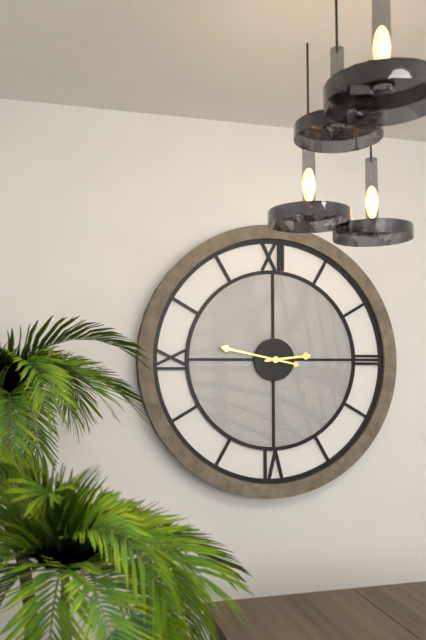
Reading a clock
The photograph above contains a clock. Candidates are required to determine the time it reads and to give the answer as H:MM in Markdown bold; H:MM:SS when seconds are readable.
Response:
**2:47**
